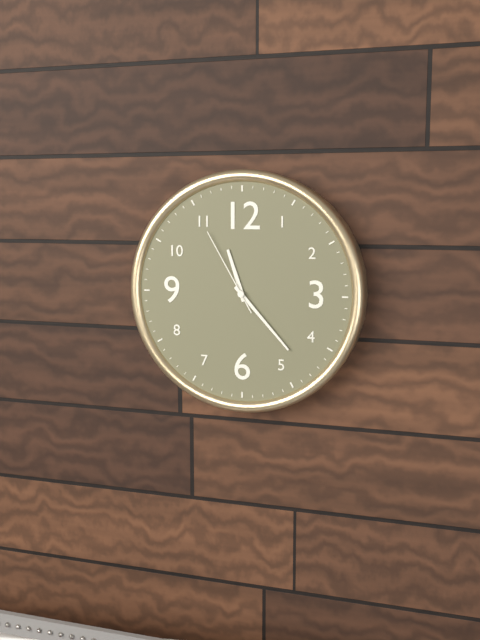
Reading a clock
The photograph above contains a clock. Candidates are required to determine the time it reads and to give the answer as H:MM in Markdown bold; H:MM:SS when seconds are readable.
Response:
**11:23:55**
